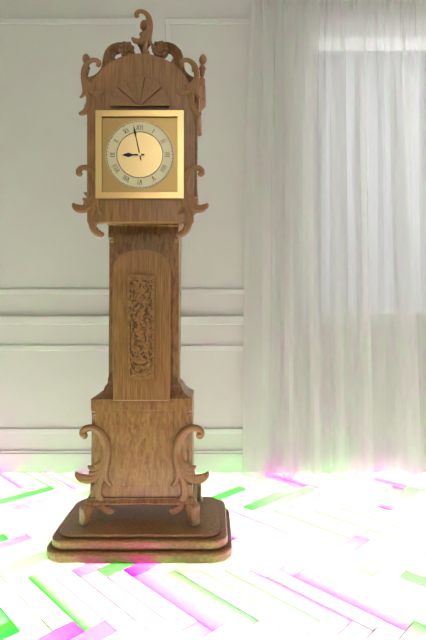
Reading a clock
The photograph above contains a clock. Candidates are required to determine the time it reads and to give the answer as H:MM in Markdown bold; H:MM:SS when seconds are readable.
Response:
**8:58**
